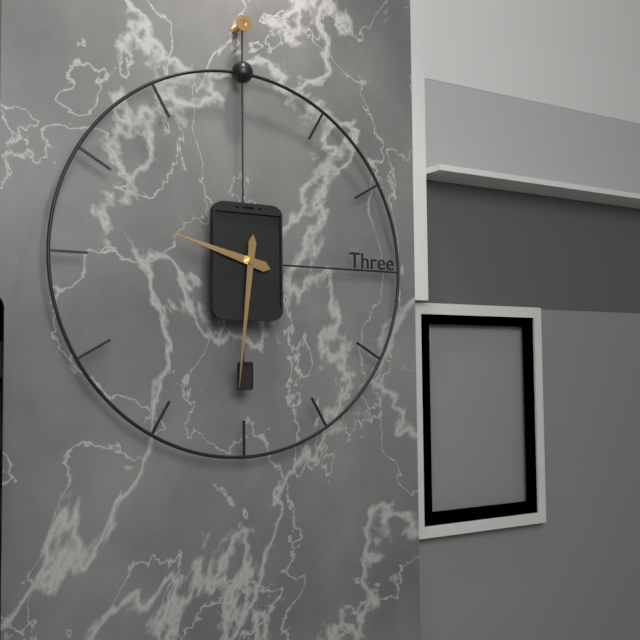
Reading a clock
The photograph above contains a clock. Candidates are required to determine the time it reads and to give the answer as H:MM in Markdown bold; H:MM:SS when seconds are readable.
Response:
**9:31**
